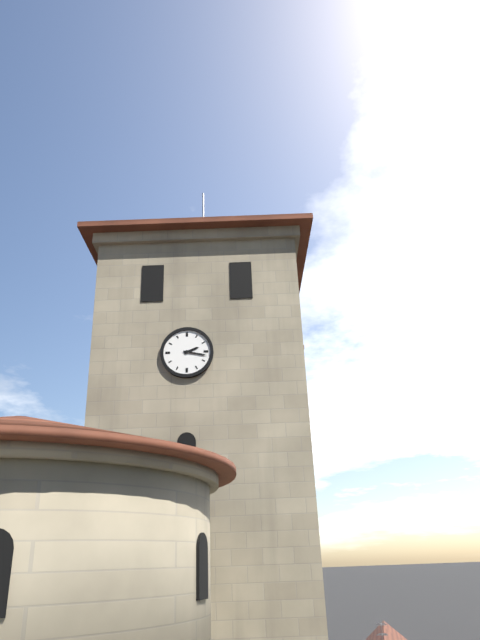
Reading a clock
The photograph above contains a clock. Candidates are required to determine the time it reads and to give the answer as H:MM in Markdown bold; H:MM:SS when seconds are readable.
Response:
**2:17**
